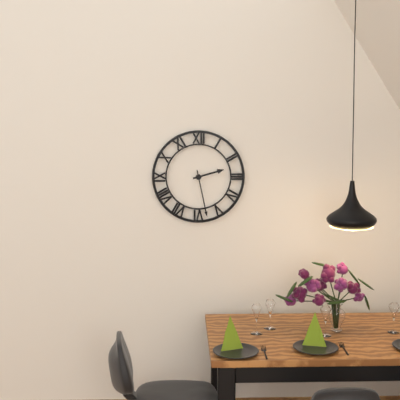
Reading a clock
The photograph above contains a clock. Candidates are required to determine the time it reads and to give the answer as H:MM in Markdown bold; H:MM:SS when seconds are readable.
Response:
**2:28**
